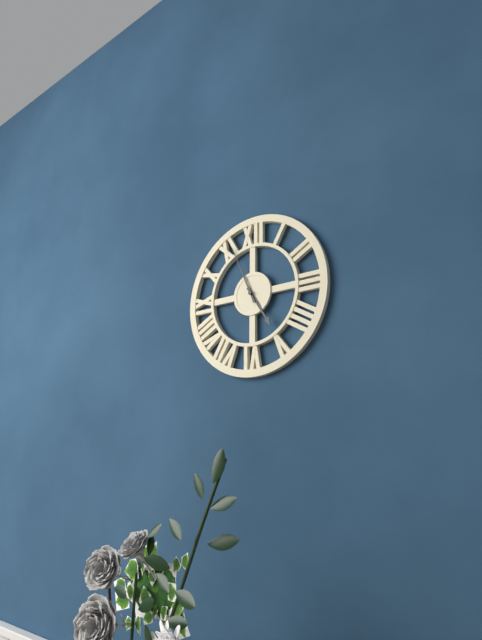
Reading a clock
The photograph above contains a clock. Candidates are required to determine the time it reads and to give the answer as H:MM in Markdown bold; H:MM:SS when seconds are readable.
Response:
**4:56**
